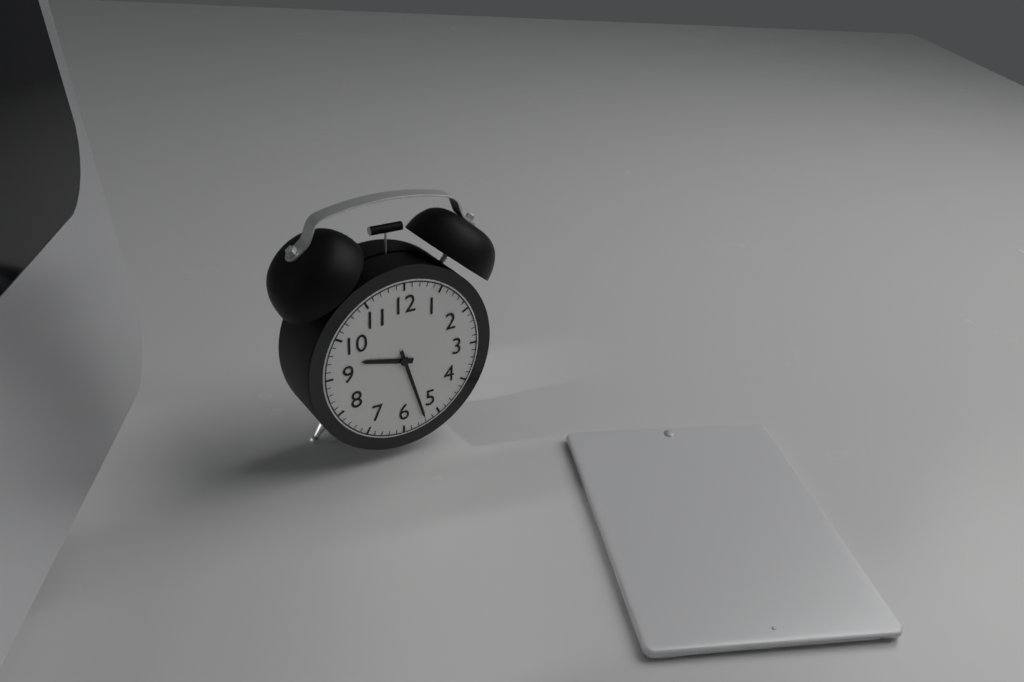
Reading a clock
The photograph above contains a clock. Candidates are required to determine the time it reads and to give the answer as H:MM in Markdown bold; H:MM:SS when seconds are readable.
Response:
**9:27**
